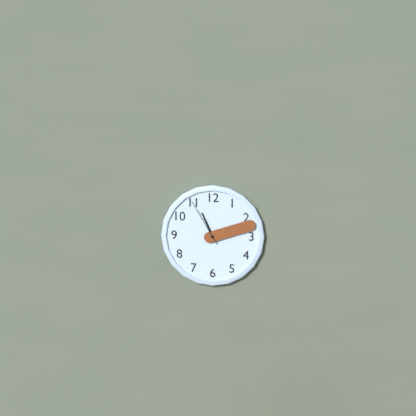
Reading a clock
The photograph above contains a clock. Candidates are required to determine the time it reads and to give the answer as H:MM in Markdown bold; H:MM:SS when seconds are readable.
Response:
**11:12:55**
